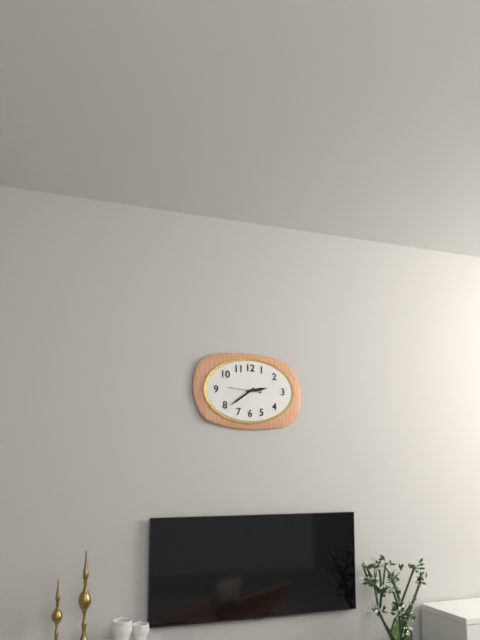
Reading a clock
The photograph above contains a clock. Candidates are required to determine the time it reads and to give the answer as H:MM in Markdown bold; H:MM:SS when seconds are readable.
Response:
**2:39**
